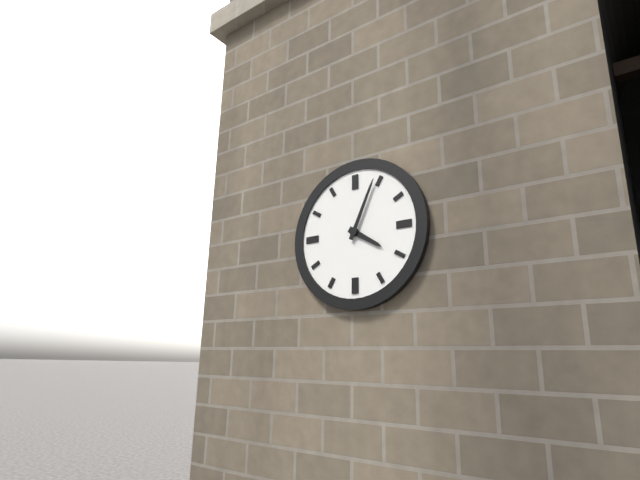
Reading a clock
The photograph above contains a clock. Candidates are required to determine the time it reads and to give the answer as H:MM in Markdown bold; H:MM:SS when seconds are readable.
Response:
**4:04**
